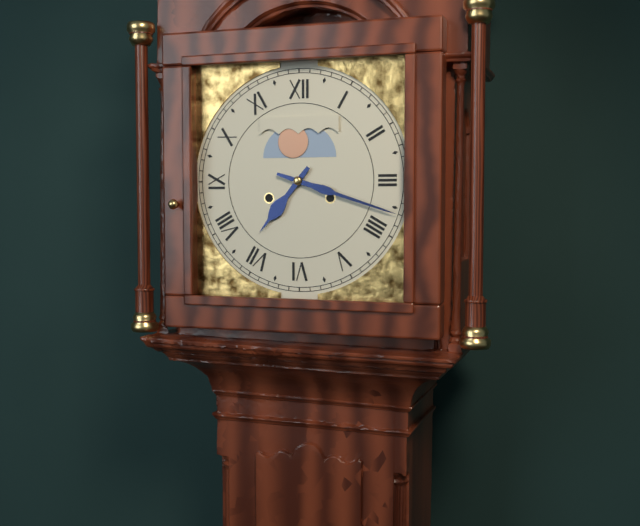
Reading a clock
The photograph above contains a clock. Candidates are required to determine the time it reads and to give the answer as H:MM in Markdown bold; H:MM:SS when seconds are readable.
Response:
**7:18**
